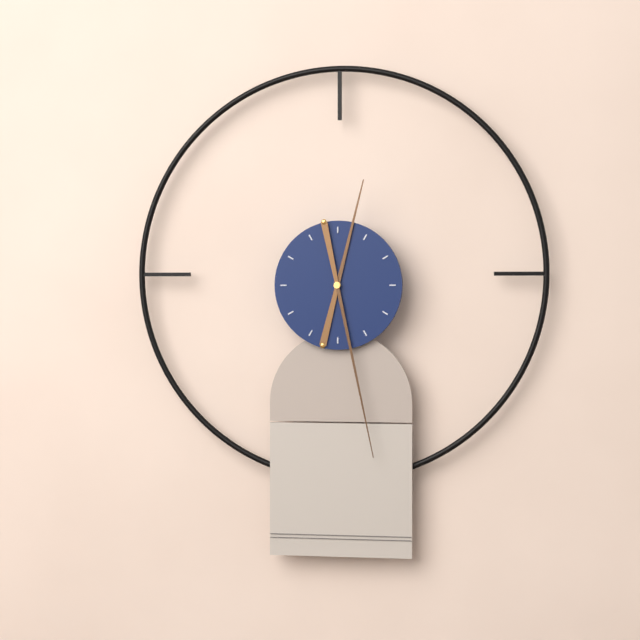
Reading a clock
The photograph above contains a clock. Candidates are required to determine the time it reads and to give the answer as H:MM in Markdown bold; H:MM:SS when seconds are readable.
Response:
**12:28**
